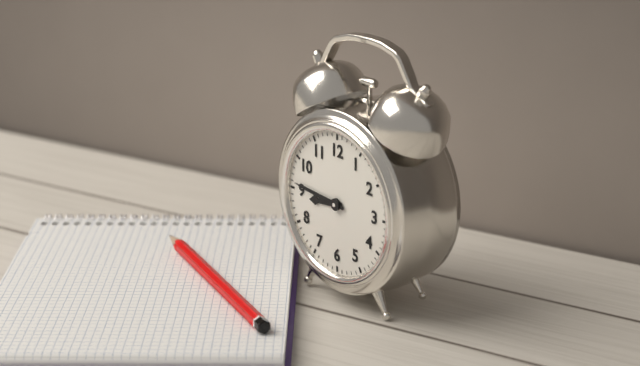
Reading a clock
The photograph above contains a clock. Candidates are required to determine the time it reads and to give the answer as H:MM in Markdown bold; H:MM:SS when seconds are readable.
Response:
**8:46**
